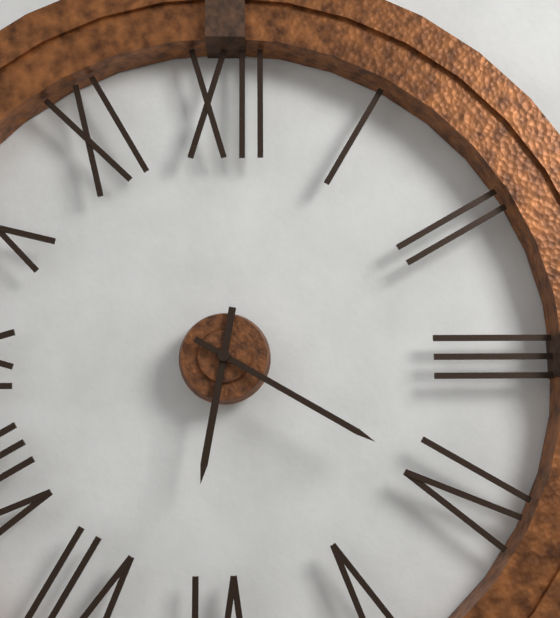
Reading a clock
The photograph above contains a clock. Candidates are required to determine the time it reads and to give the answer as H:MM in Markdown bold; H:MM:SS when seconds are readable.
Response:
**6:20**
